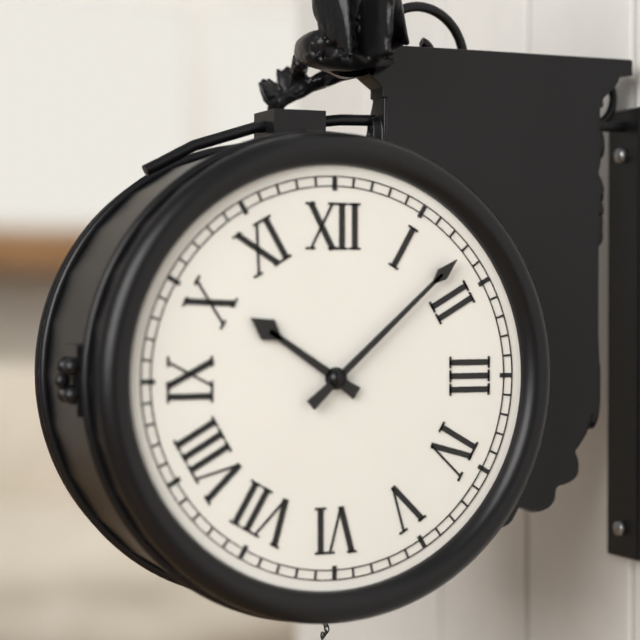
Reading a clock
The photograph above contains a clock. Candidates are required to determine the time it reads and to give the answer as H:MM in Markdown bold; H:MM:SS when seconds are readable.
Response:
**10:08**
